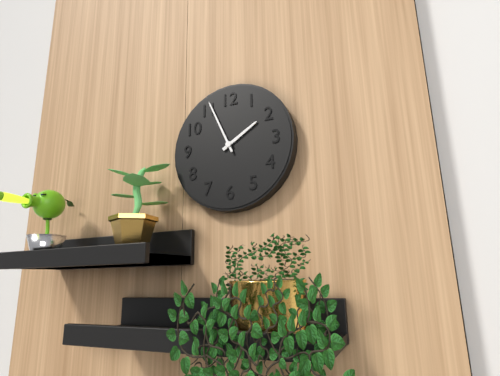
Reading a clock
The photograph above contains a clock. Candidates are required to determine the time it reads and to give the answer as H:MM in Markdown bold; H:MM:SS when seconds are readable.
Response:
**1:56**
